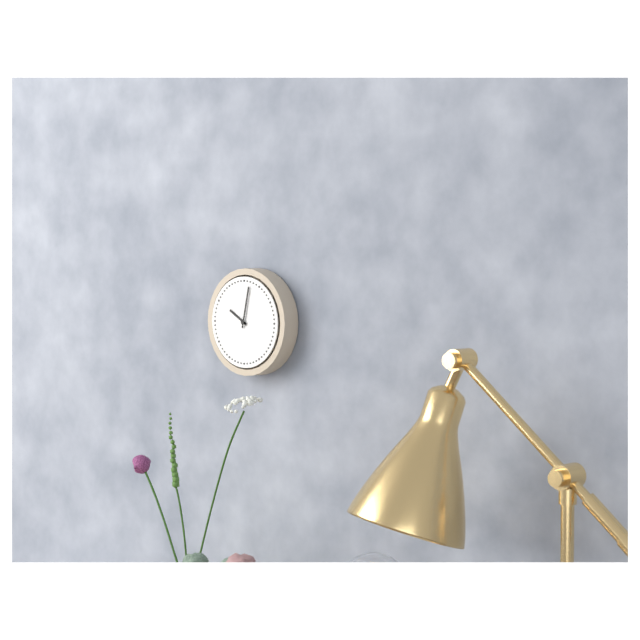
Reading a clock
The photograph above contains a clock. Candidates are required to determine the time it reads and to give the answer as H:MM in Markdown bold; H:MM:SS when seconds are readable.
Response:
**10:02**
